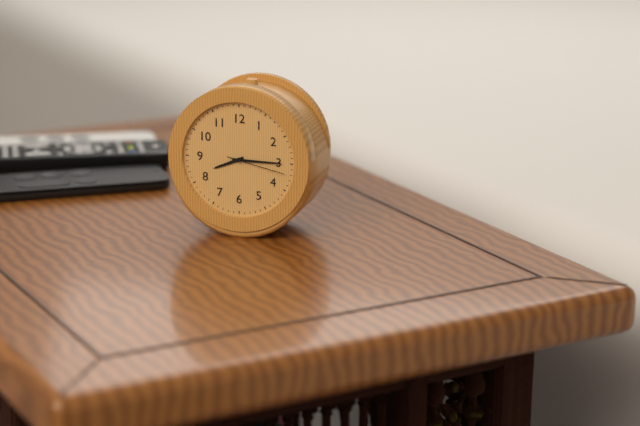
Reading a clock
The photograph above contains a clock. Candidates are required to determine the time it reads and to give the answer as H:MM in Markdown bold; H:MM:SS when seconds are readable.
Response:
**8:15:17**
